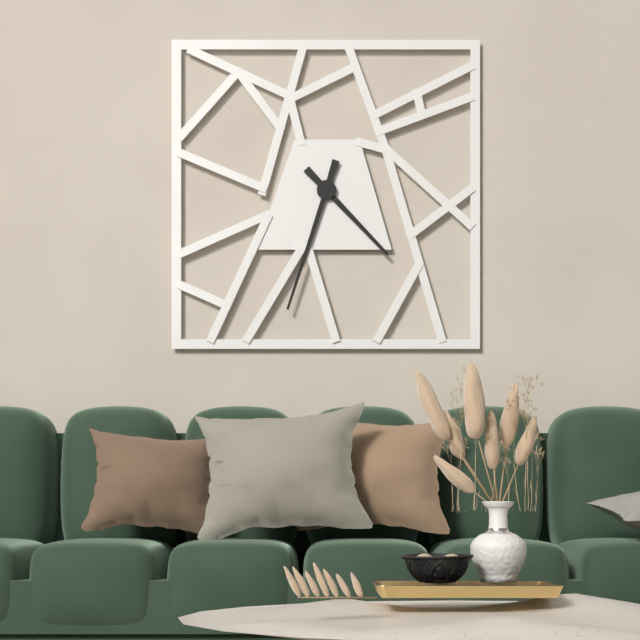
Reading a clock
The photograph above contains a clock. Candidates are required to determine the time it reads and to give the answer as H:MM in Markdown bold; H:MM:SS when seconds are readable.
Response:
**4:33**
